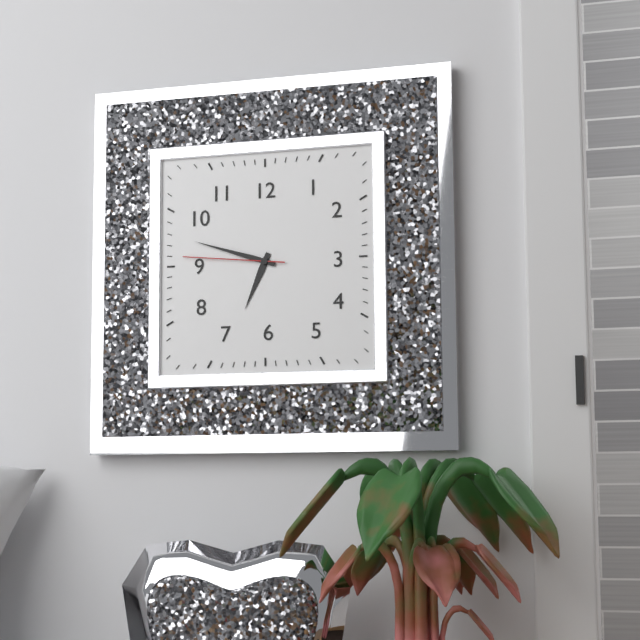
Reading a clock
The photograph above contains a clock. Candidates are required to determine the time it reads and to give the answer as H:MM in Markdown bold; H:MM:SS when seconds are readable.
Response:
**6:48:46**
